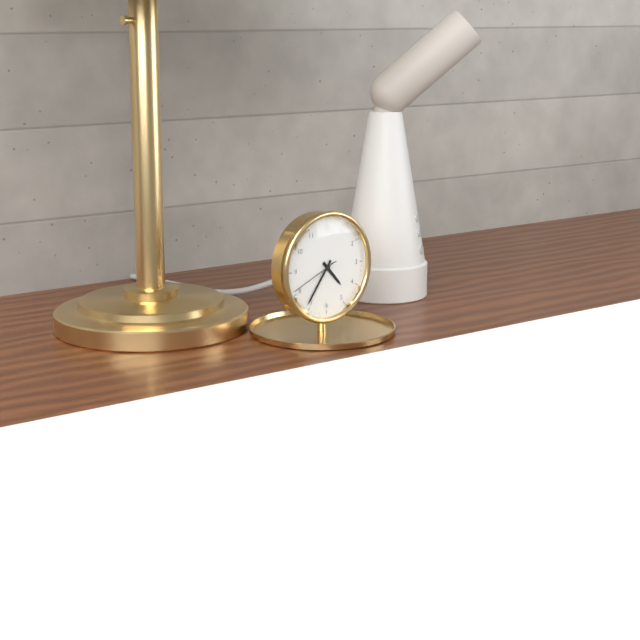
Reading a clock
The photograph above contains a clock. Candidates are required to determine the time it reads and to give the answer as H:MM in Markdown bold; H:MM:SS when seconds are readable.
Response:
**4:36:41**
